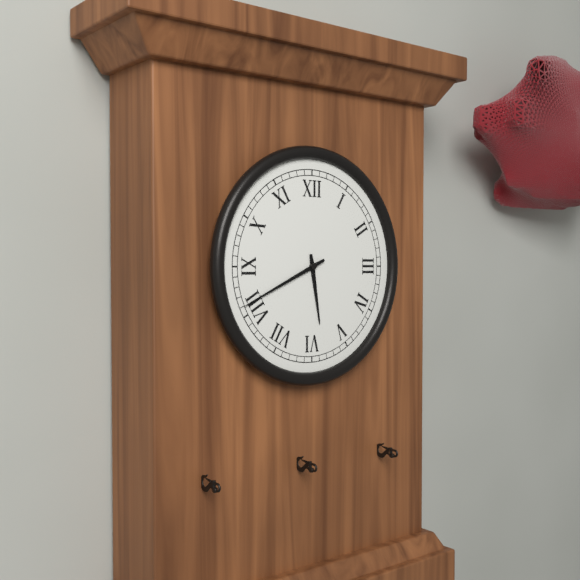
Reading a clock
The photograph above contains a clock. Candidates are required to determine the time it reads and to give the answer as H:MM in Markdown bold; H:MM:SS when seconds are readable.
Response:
**5:41**
